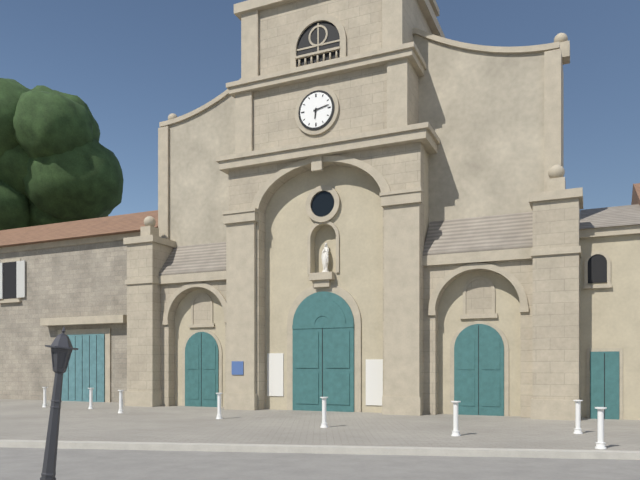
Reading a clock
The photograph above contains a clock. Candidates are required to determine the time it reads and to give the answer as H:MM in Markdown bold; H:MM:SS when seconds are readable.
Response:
**6:13**
